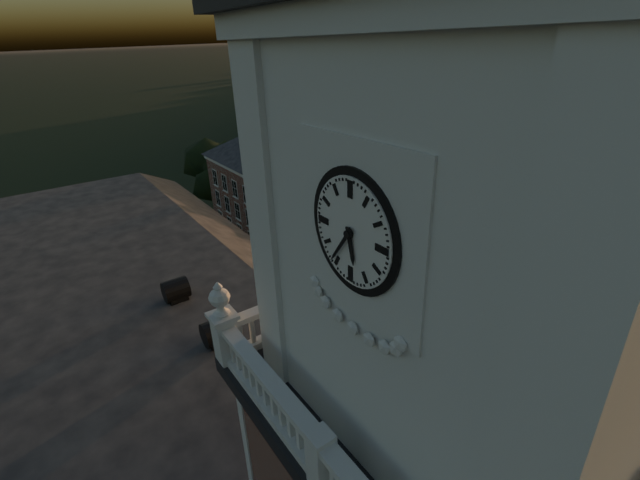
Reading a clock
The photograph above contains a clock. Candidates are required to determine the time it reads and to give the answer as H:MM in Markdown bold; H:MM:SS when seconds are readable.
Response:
**5:36**
